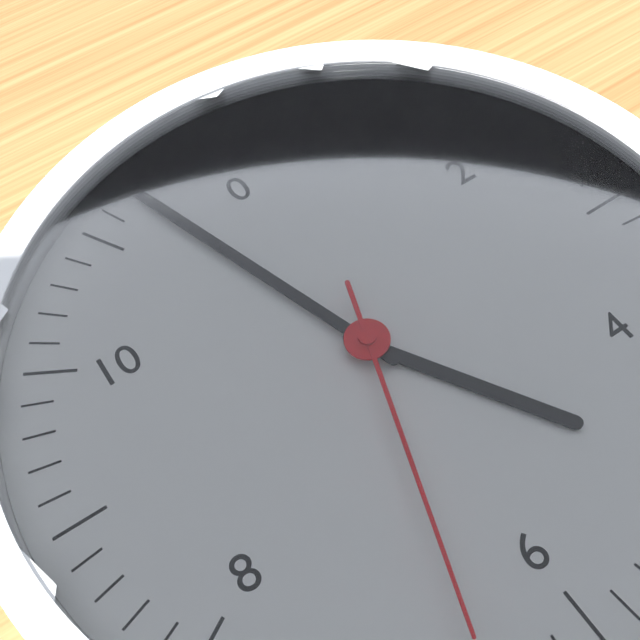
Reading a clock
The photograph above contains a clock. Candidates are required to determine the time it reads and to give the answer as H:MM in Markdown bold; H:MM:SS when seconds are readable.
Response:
**4:57:33**
